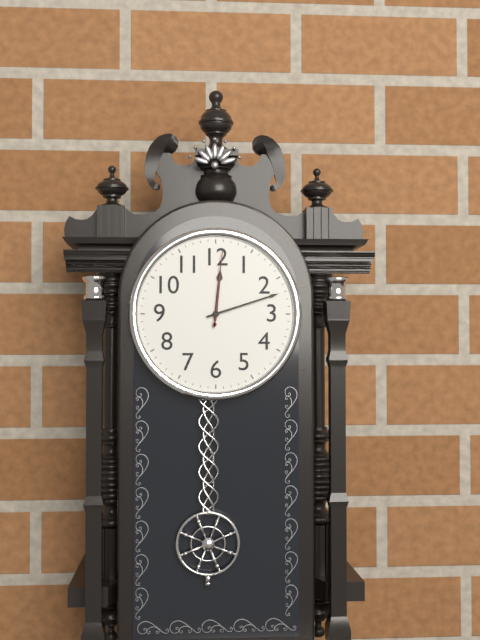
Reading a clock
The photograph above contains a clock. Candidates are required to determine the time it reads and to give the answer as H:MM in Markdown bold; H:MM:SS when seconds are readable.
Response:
**12:12:01**
